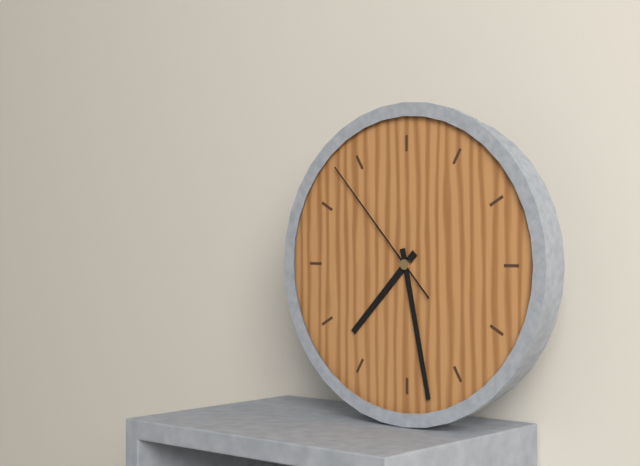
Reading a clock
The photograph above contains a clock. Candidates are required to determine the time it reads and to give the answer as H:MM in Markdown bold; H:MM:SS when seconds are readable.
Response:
**7:28:53**
